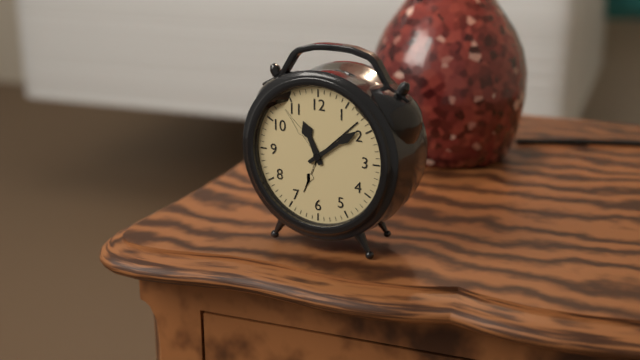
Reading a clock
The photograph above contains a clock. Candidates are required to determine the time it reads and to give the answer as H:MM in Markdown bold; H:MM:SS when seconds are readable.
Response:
**11:09**
